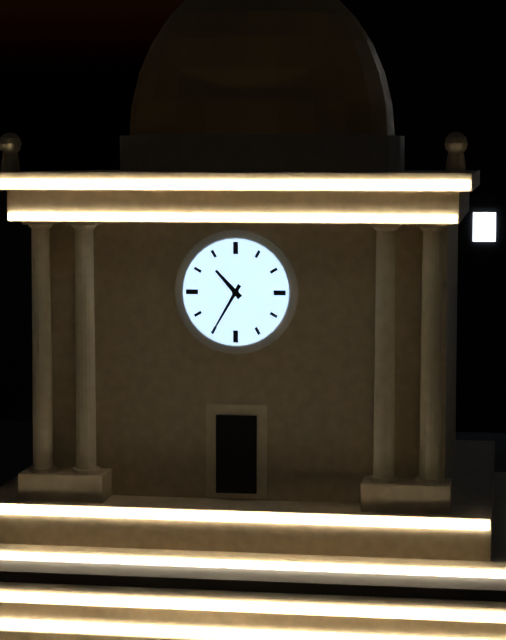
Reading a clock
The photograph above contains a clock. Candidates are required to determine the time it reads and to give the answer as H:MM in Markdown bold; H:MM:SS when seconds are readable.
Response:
**10:35**
